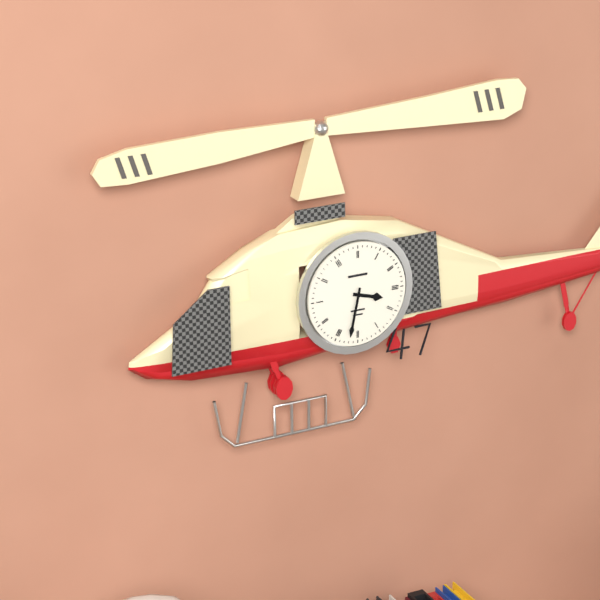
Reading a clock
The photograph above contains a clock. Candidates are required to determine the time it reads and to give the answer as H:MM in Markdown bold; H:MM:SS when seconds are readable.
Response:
**3:32**
